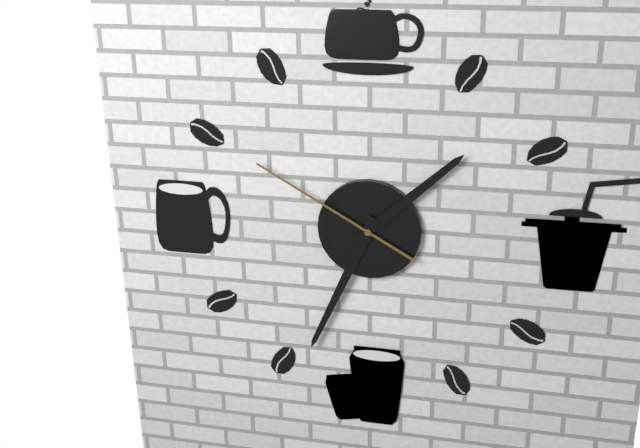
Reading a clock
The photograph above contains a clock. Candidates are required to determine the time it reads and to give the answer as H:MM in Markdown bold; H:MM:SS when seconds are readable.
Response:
**1:34:50**
